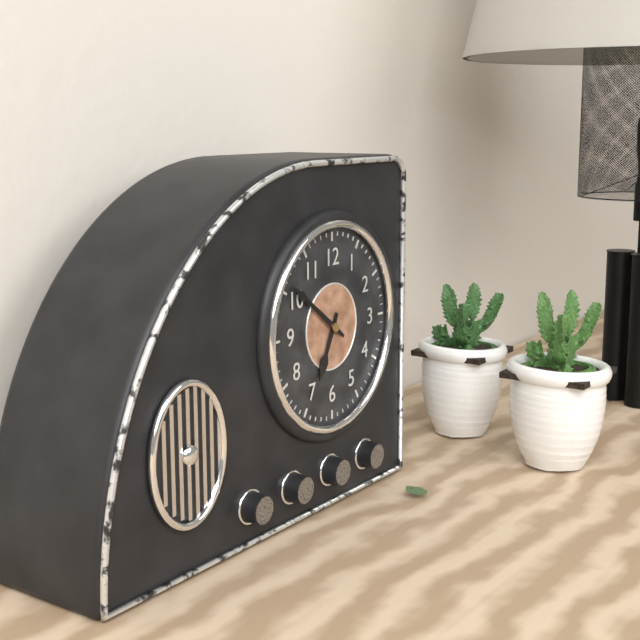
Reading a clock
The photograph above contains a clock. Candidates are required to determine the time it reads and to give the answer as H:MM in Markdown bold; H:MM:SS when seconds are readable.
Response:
**6:51**
